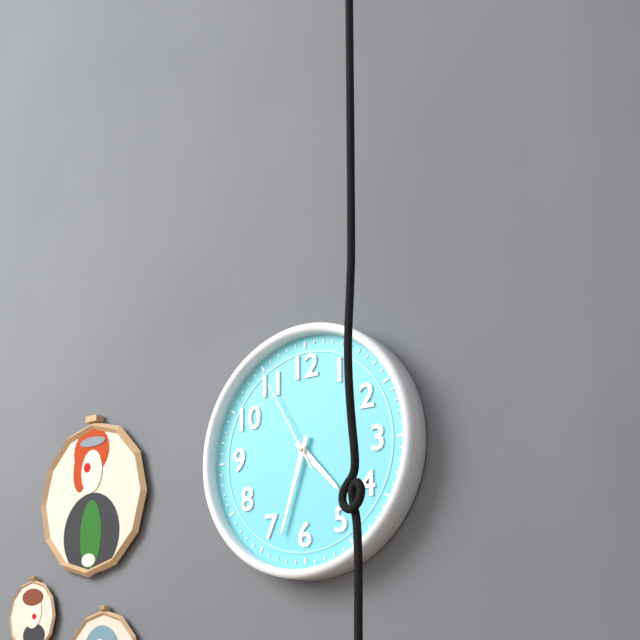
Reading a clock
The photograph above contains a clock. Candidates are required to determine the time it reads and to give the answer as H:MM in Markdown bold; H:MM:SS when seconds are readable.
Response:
**4:33:55**
